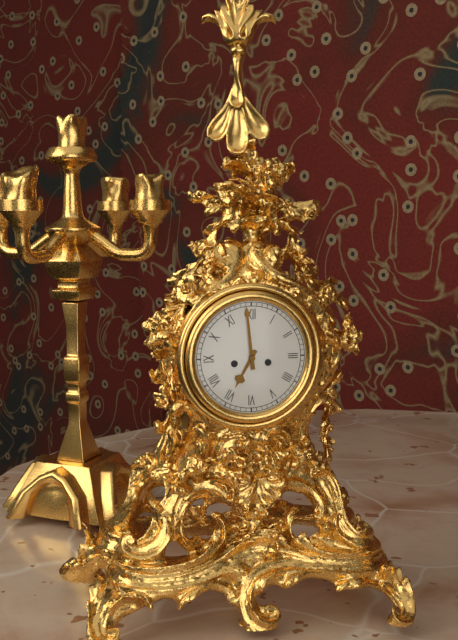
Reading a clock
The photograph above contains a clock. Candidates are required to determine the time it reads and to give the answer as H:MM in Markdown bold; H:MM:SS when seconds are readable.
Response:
**6:59**
